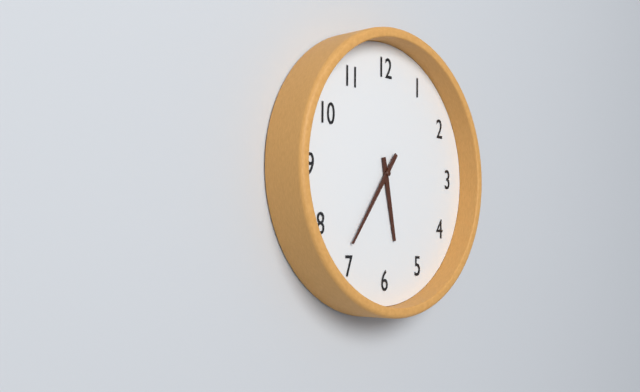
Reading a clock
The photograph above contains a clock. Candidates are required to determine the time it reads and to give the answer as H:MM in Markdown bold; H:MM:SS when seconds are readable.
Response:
**5:36**
